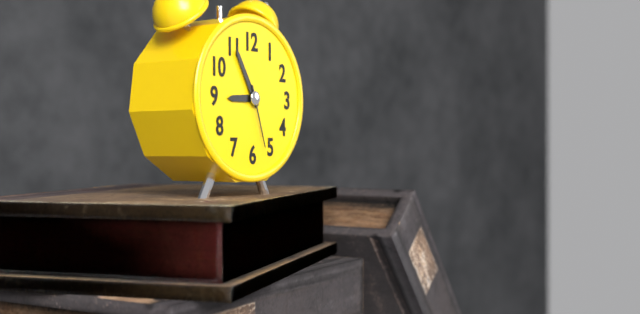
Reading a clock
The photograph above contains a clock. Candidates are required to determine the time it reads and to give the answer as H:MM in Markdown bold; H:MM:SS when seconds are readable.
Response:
**8:55:27**
